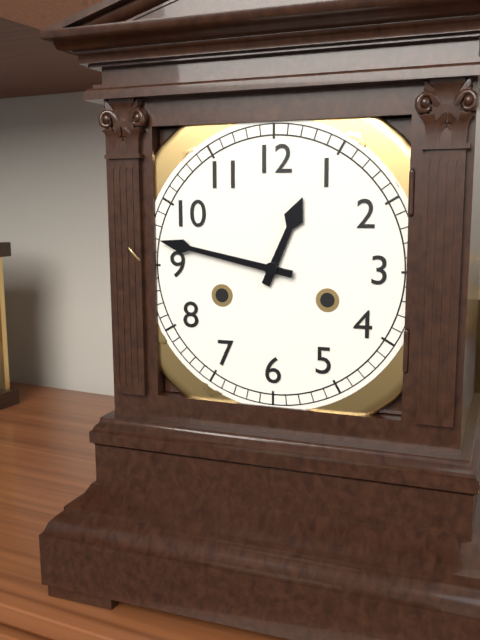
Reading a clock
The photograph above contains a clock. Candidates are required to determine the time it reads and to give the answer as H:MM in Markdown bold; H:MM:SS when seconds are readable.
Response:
**12:47**
